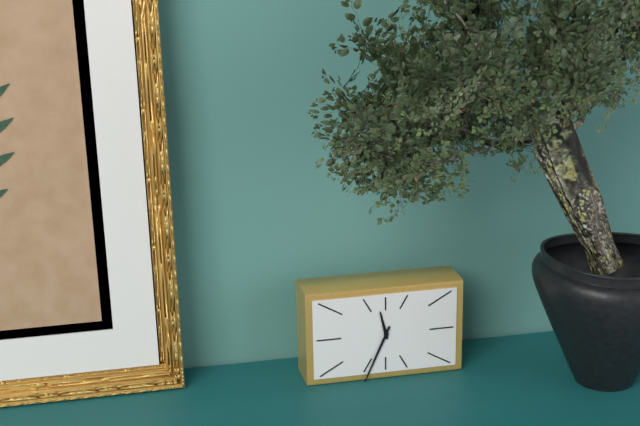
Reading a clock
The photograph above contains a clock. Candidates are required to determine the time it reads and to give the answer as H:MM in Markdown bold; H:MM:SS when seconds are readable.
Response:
**11:34**
